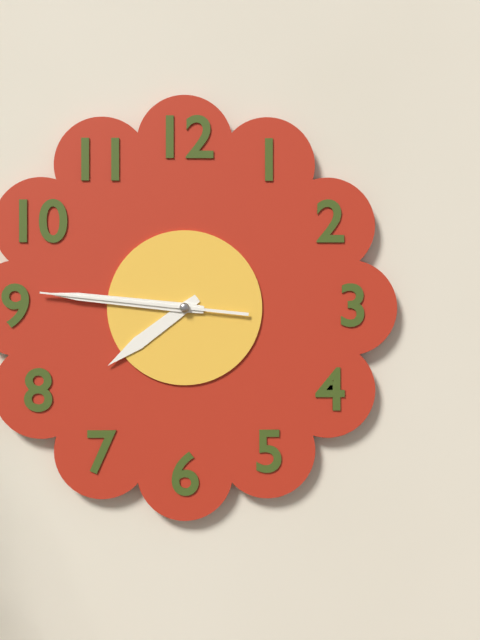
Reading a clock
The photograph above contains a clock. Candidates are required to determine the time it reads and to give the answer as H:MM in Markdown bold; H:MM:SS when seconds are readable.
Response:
**7:46:46**
